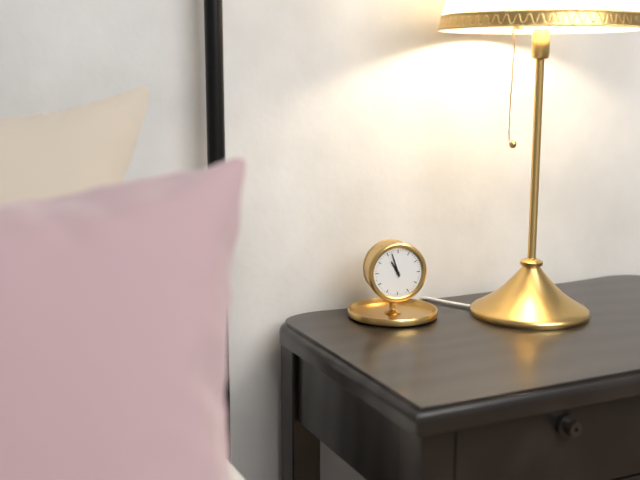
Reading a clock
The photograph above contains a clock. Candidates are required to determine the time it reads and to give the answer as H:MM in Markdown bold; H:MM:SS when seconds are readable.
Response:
**10:57**
